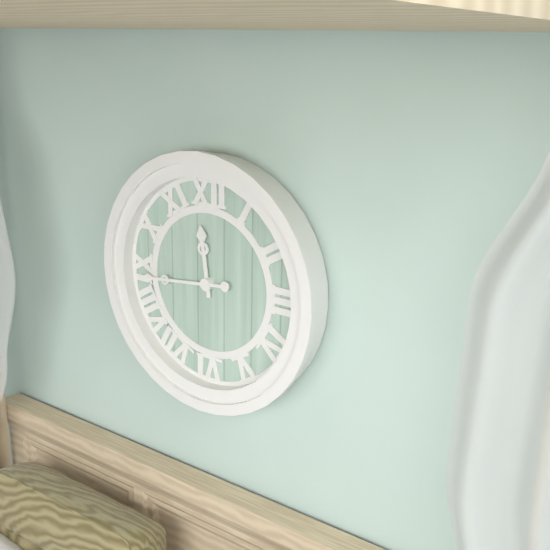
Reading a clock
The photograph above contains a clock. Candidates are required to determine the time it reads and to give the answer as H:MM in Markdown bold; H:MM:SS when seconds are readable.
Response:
**11:44**
